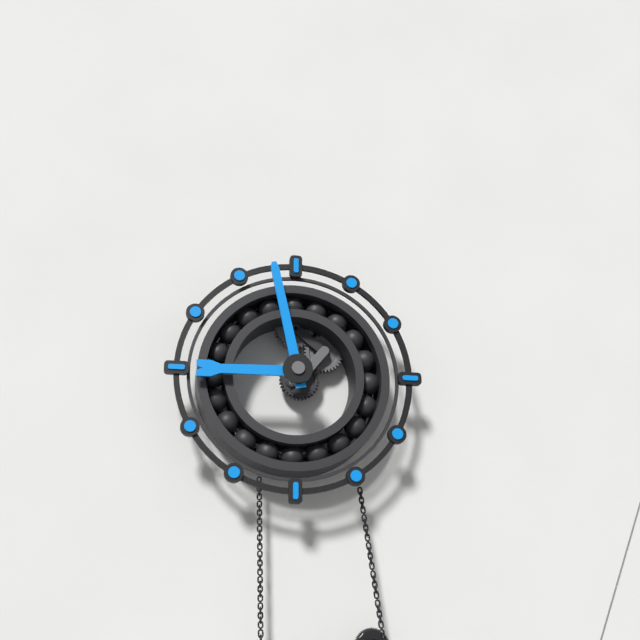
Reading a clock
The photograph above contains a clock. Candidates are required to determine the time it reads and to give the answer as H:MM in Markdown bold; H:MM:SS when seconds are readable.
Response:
**8:58**
